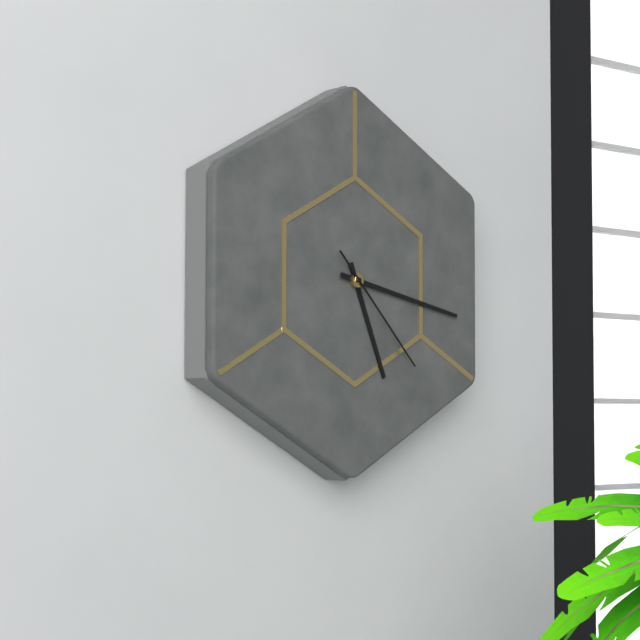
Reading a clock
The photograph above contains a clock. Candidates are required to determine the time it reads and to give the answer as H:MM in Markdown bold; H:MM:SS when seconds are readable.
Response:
**5:17:23**
